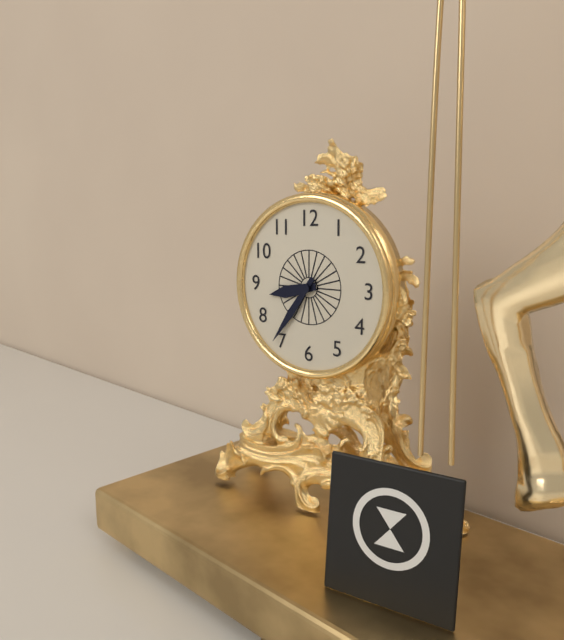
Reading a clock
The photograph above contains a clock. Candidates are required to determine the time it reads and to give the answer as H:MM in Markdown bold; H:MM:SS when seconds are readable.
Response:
**8:36**
